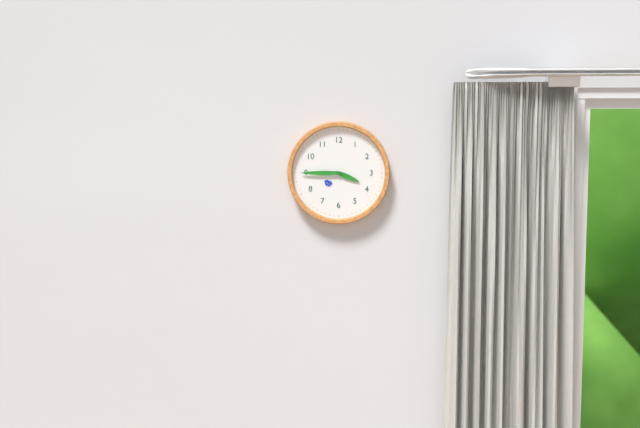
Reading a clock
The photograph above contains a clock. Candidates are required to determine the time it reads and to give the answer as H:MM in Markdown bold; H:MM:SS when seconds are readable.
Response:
**3:45**
